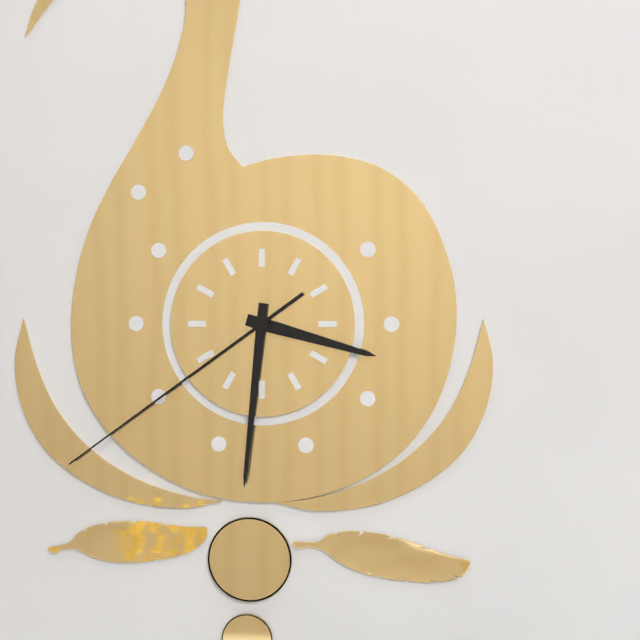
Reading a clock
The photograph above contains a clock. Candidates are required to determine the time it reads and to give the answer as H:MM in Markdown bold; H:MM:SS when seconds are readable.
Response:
**3:31:39**
